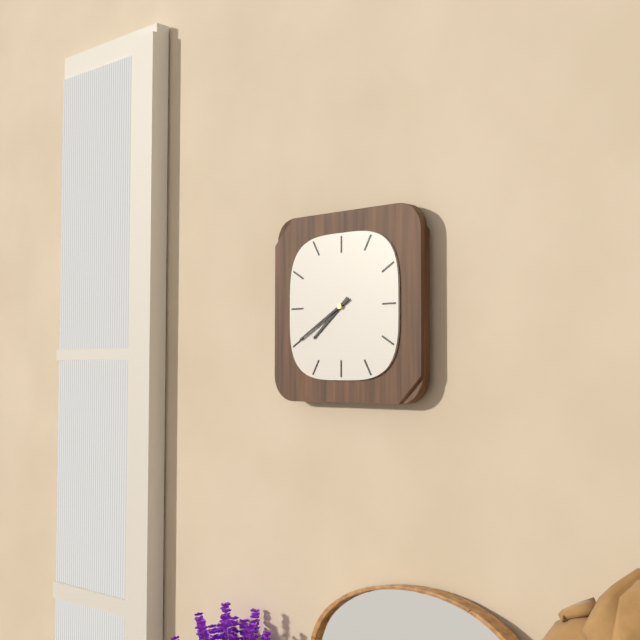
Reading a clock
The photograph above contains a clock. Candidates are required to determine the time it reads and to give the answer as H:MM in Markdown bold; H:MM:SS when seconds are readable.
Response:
**7:40**
